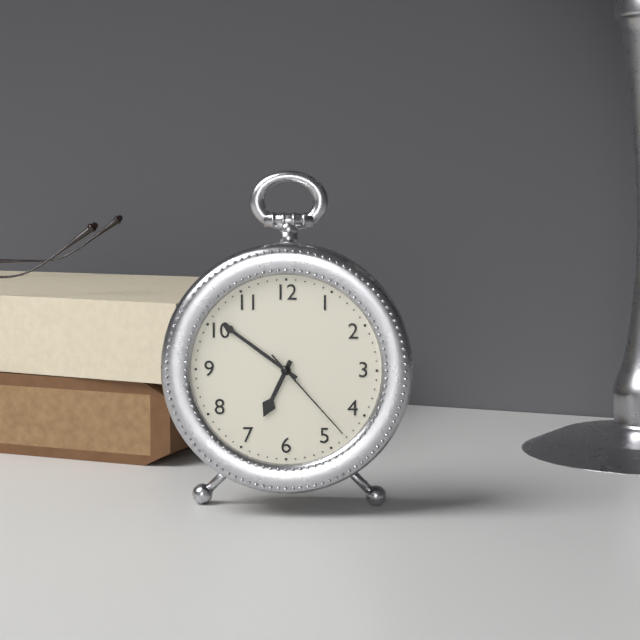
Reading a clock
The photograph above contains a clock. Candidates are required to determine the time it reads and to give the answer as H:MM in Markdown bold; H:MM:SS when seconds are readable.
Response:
**6:51:23**
